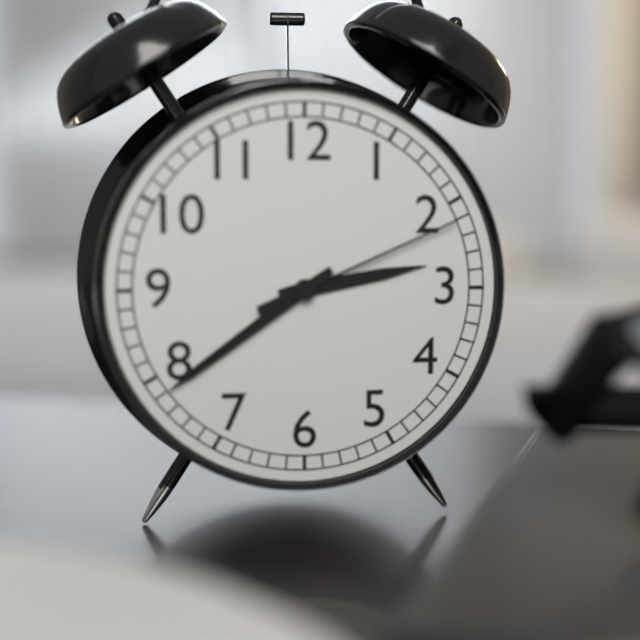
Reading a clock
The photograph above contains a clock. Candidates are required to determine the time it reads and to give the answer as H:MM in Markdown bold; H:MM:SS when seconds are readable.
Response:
**2:39:11**
